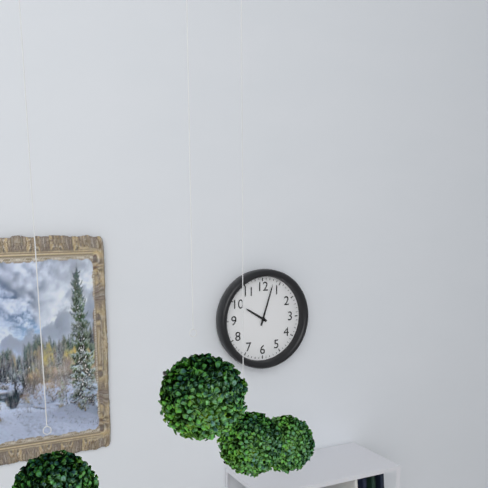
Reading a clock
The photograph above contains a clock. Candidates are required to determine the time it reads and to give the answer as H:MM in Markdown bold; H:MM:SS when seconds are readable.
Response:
**10:03**
